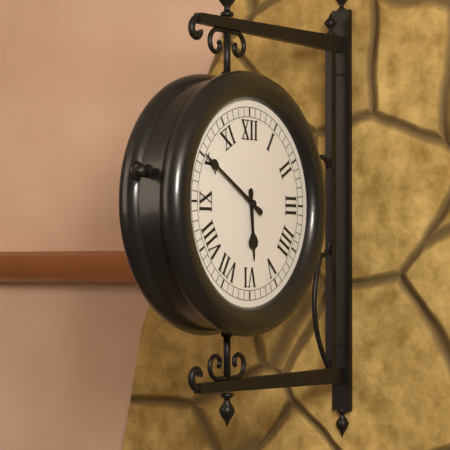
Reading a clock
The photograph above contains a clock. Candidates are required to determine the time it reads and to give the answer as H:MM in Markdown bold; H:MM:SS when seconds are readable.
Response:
**5:50**
